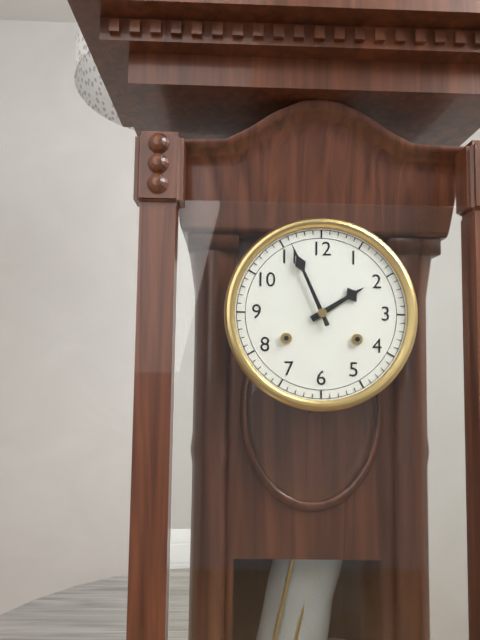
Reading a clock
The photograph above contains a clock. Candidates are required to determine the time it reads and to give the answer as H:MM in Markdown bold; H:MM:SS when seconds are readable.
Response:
**1:56**
